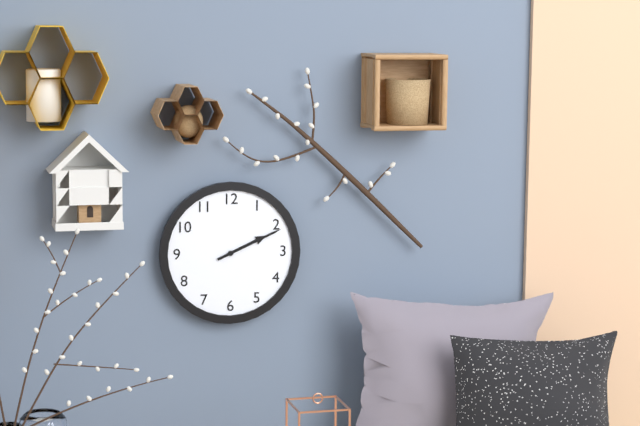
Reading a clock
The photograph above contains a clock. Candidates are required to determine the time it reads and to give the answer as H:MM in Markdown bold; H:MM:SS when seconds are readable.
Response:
**2:11**
